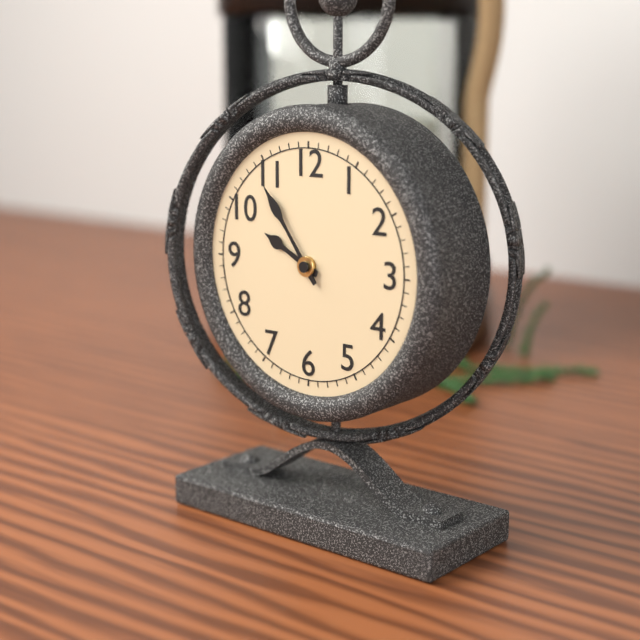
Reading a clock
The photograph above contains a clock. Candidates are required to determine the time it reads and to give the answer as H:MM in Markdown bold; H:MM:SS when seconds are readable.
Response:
**9:54**
